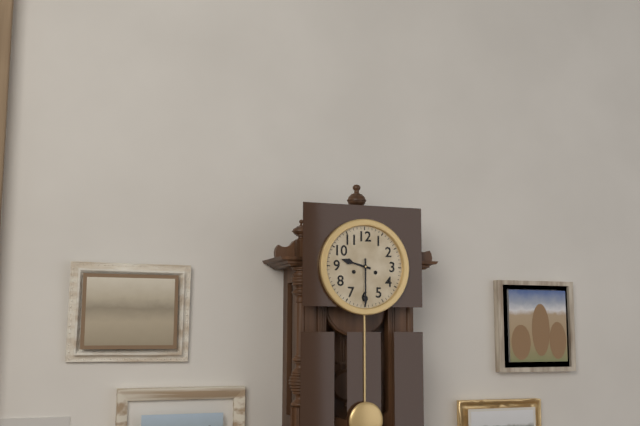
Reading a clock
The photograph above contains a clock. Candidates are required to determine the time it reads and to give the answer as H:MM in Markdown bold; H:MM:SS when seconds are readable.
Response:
**9:30**
